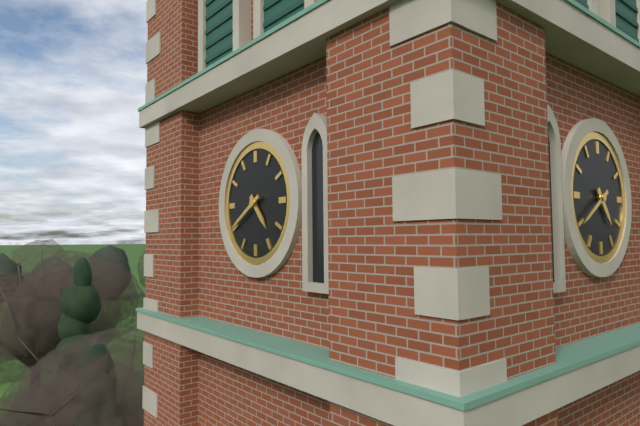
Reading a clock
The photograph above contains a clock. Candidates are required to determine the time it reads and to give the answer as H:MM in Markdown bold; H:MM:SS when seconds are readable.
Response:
**4:40**
